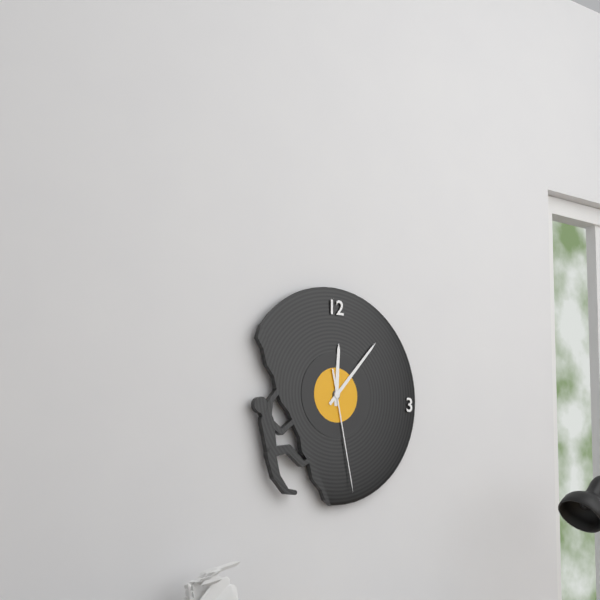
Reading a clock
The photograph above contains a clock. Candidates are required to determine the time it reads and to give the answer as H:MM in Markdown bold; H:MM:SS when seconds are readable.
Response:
**12:07:28**
